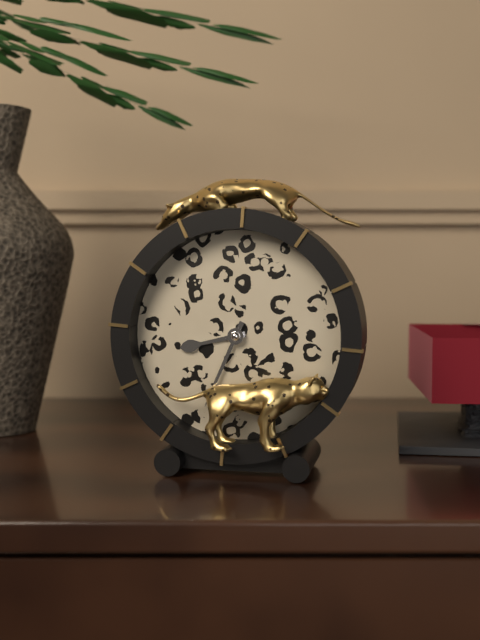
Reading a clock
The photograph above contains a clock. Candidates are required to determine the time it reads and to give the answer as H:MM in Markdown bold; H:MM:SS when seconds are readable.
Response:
**8:34**
